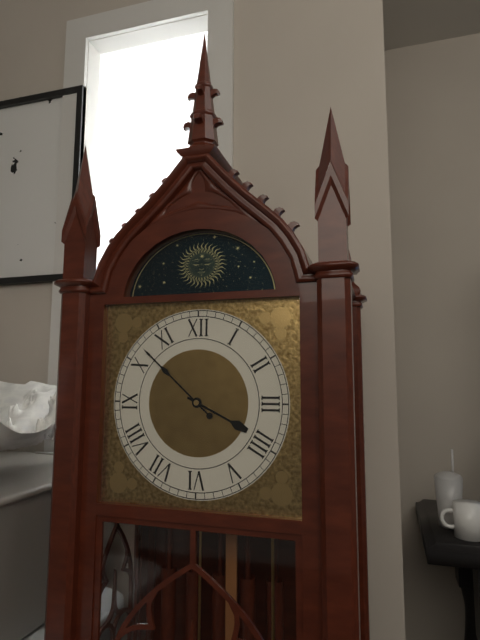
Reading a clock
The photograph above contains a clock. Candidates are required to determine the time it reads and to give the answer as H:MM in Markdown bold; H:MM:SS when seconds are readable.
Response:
**3:52**
